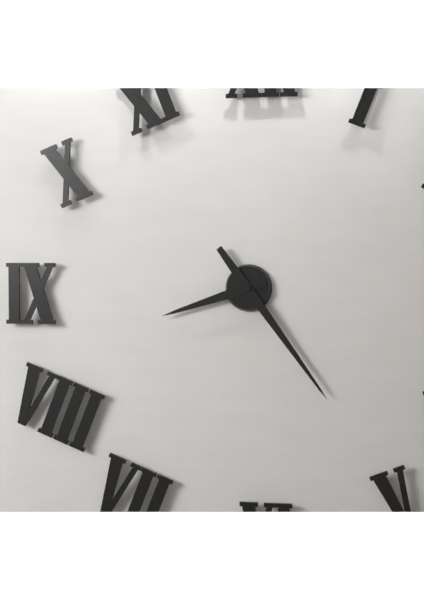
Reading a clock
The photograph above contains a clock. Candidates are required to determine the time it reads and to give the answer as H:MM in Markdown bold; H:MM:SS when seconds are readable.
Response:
**8:24**
